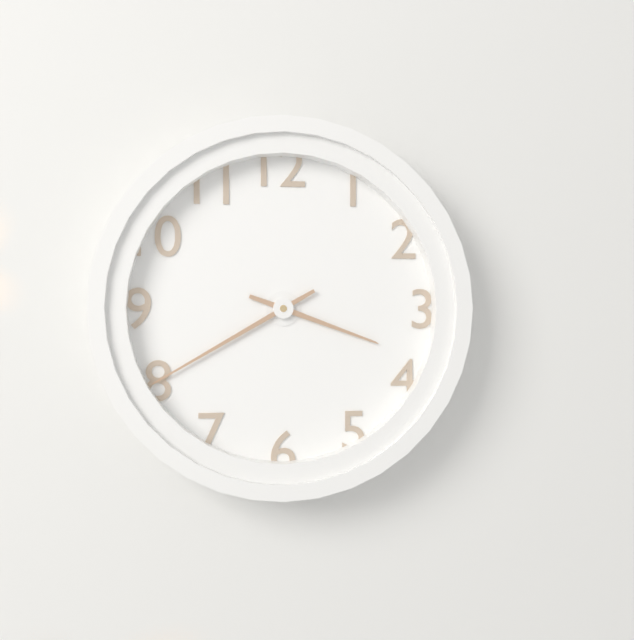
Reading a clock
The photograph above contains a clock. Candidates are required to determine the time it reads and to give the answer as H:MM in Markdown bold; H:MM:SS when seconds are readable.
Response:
**3:40**
